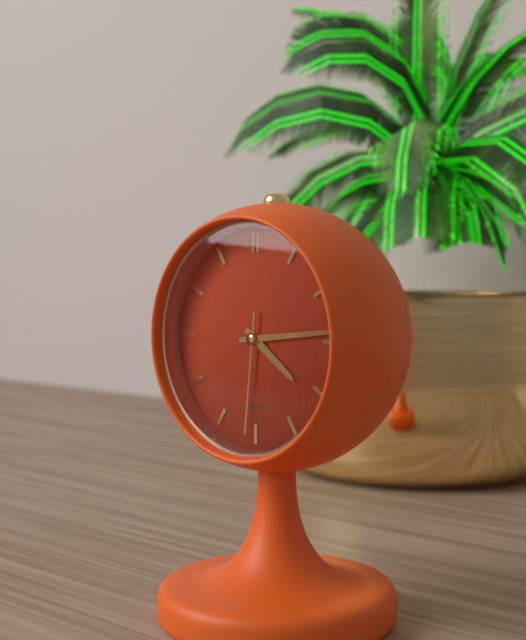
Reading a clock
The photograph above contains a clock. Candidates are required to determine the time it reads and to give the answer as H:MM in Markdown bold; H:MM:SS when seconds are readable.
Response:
**4:14:31**
